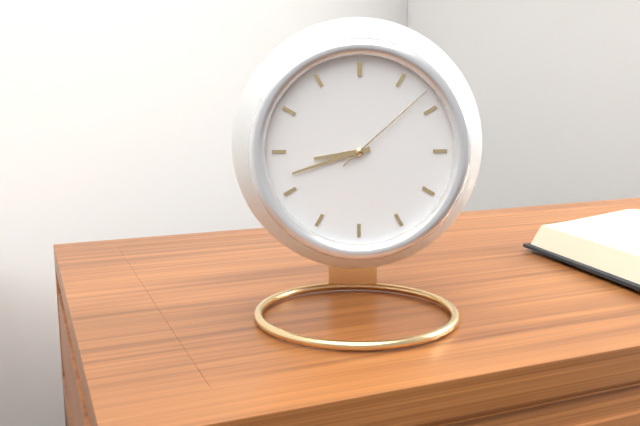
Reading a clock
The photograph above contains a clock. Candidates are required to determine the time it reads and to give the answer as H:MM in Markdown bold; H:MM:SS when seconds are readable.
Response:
**8:42:08**
